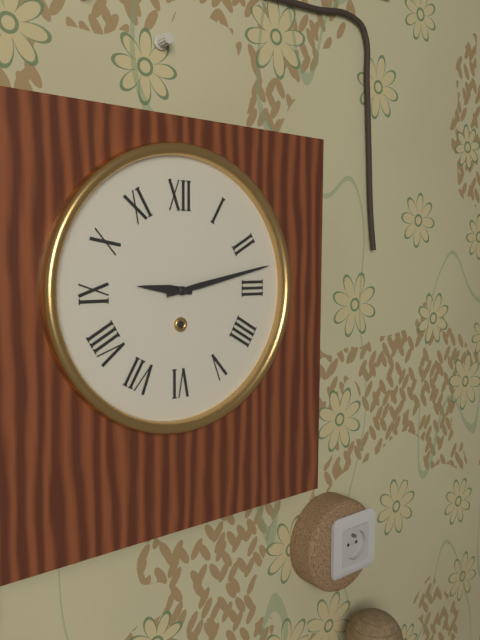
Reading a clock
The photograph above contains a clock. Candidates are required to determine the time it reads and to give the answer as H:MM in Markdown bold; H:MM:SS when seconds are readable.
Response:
**9:13**
